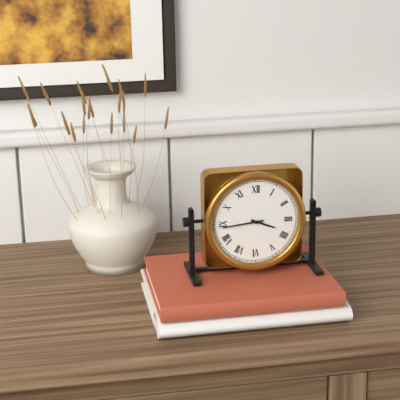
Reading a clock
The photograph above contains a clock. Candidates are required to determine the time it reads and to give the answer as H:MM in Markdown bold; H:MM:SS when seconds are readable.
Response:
**3:44**
